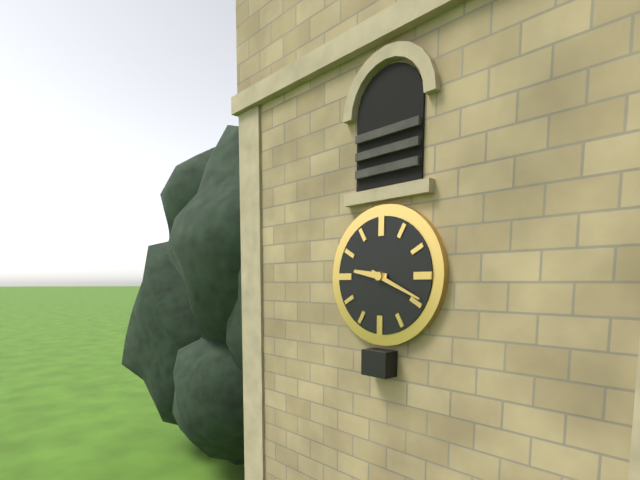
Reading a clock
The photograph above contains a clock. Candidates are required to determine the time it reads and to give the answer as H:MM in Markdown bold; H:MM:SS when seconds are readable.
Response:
**9:19**
